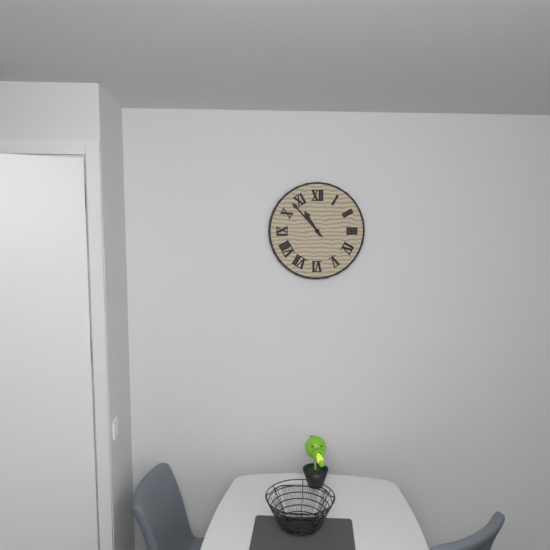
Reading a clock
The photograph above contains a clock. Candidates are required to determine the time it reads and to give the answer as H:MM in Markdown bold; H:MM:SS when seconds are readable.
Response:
**10:53**
